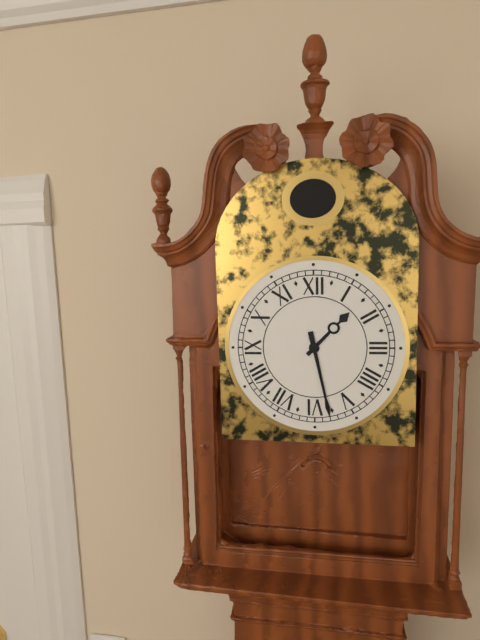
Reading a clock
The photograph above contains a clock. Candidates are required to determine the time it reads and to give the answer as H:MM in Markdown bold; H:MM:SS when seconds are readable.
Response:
**1:28**
